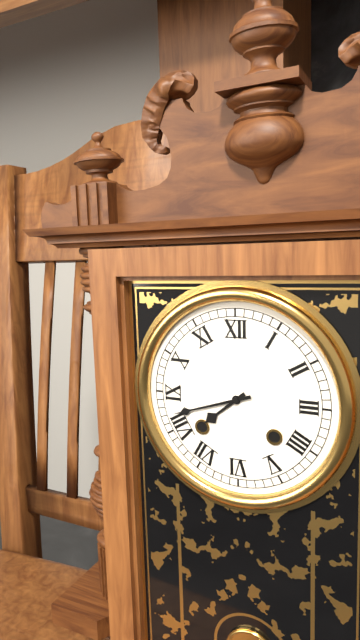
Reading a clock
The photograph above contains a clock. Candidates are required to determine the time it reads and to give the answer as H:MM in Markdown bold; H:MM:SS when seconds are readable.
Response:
**7:42**
